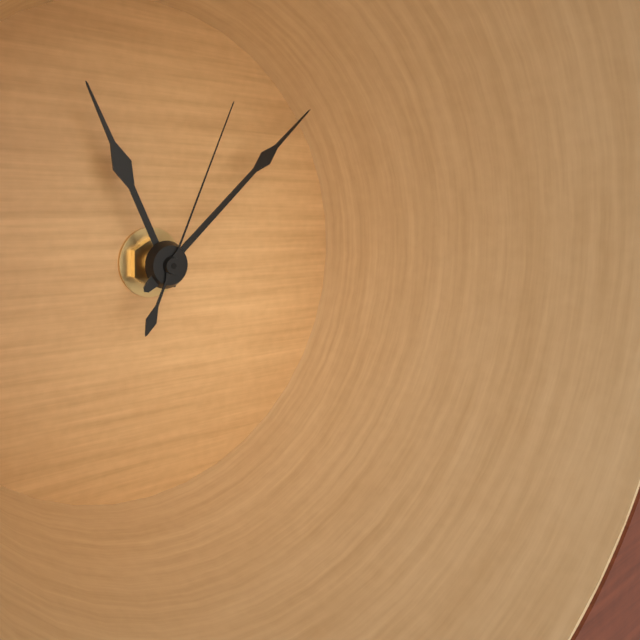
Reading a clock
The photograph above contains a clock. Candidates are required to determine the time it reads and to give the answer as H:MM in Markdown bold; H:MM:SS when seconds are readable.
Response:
**11:08:04**
